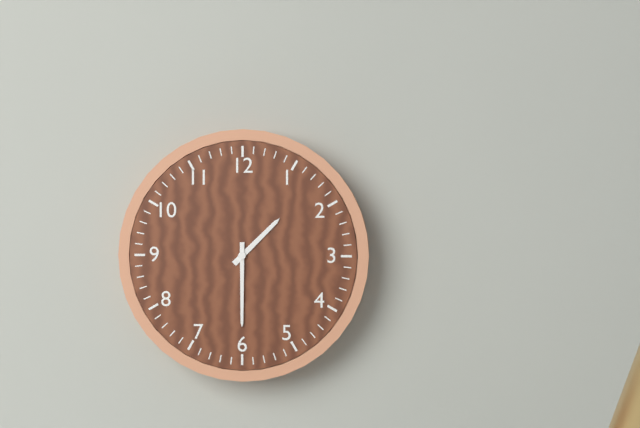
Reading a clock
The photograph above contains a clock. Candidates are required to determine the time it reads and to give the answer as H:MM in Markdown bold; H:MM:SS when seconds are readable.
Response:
**1:30**
